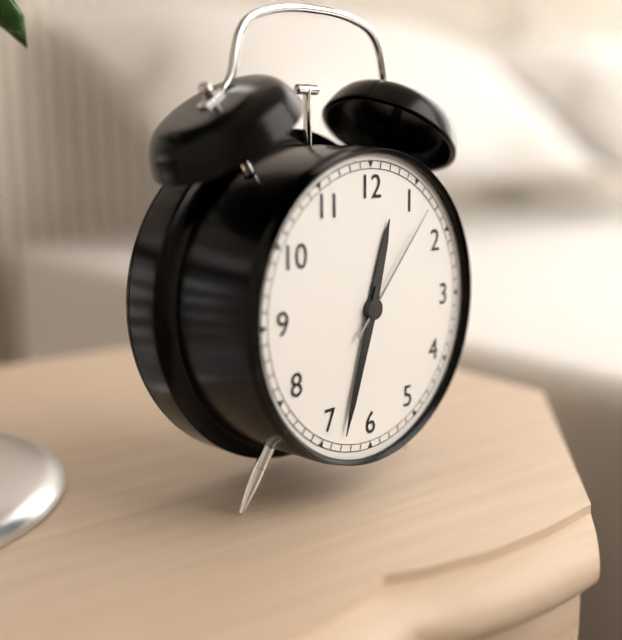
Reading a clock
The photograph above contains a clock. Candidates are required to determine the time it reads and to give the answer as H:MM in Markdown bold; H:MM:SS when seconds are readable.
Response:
**12:33:07**
